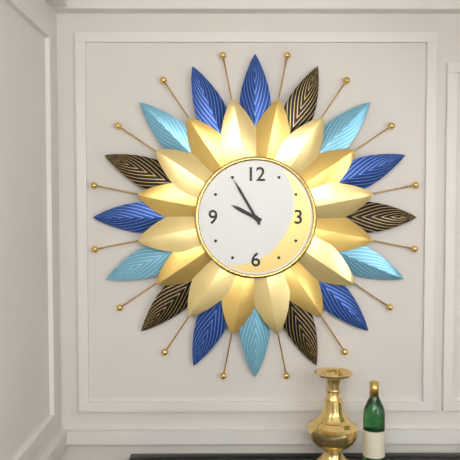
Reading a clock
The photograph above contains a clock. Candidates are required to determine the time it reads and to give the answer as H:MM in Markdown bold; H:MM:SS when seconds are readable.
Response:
**9:55**
